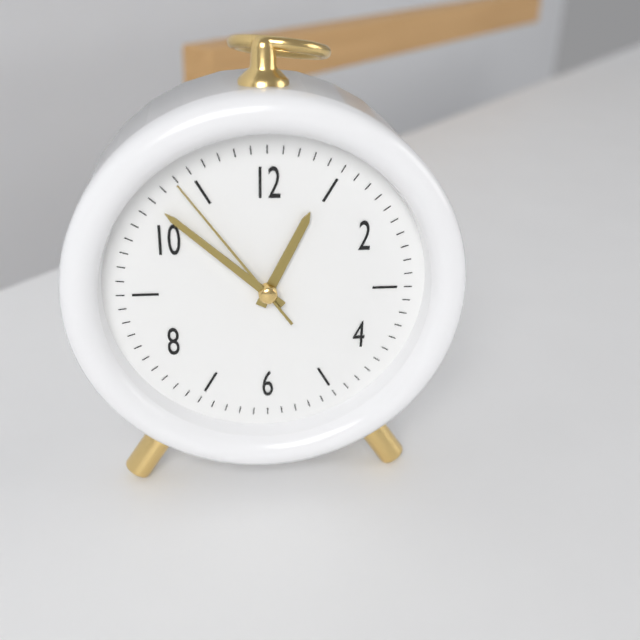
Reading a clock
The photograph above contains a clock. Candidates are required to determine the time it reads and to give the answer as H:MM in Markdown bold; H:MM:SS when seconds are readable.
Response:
**12:52:54**
